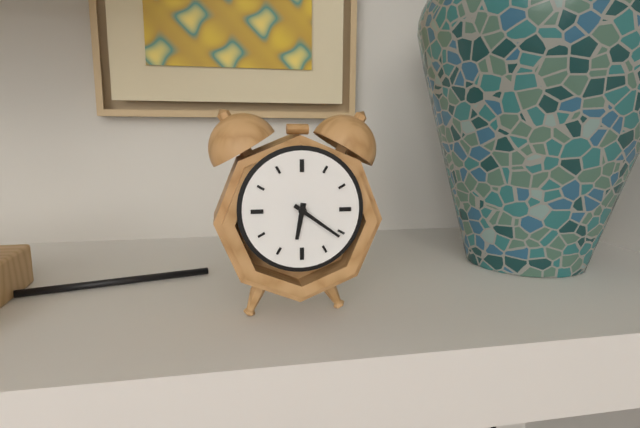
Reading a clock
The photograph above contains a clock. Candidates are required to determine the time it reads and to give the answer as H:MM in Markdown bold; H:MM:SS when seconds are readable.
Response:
**6:21**
